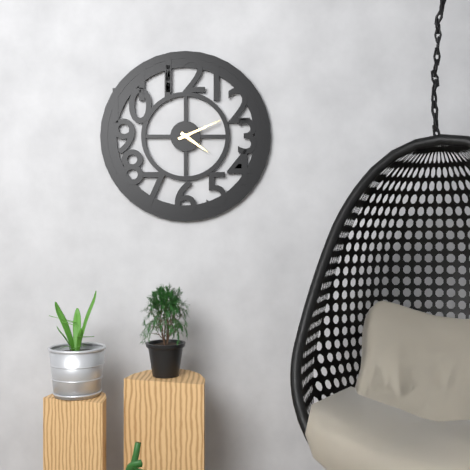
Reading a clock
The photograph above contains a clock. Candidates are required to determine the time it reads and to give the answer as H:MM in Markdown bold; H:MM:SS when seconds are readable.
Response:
**4:11**
